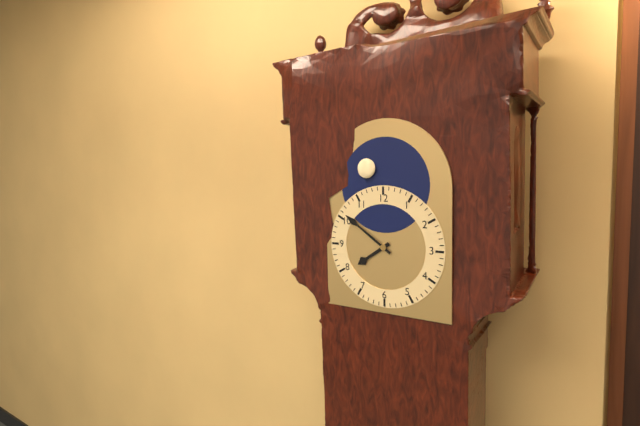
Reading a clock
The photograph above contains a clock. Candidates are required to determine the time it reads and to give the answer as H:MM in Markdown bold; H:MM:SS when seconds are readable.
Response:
**7:51**
